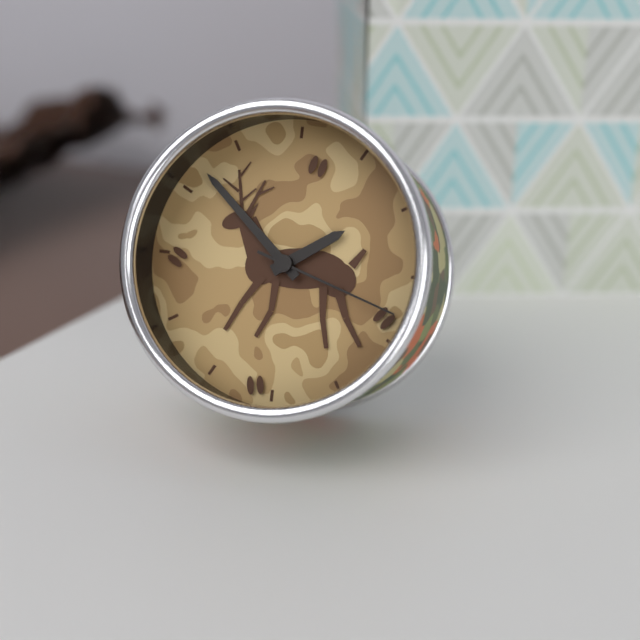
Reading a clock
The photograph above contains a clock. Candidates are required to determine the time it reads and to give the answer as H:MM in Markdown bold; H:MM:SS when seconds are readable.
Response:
**1:52:18**
